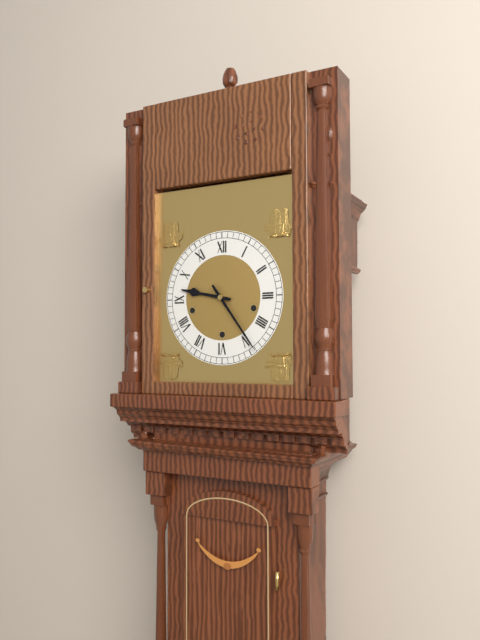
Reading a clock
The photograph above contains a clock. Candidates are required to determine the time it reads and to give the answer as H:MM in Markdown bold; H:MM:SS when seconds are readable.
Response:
**9:24**
